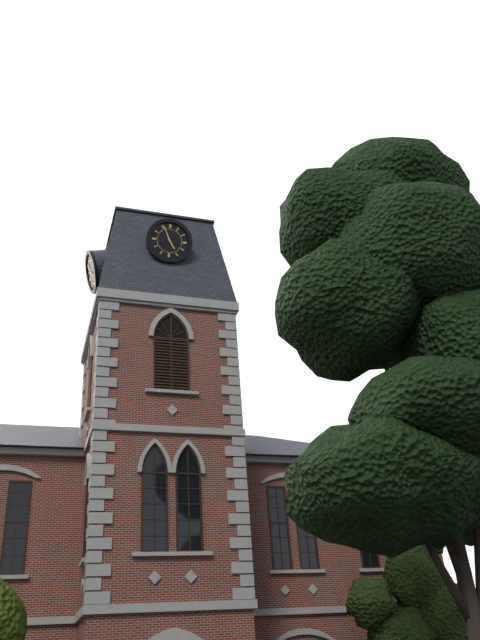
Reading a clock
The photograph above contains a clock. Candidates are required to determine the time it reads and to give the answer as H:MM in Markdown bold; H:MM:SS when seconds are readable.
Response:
**4:56**
